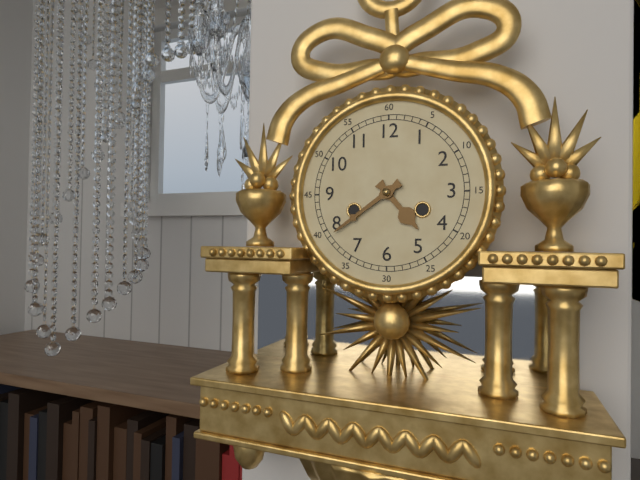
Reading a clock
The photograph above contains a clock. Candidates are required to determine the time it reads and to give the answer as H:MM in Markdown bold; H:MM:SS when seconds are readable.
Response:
**4:39**
